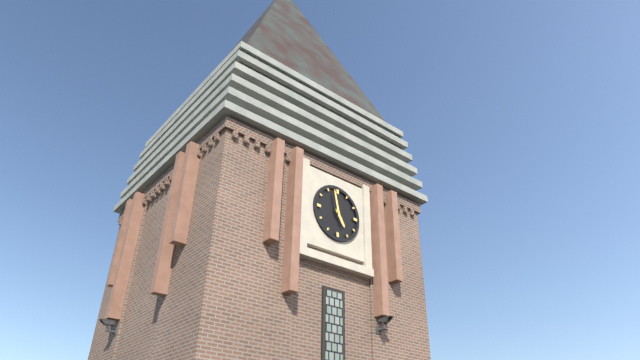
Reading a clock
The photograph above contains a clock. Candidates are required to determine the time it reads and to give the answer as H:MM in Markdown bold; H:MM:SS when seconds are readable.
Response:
**4:58**
